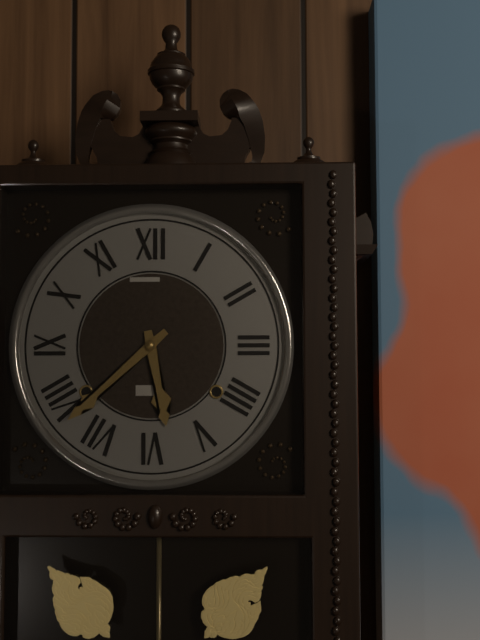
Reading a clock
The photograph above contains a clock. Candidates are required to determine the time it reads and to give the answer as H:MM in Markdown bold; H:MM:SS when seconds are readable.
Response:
**5:38**
